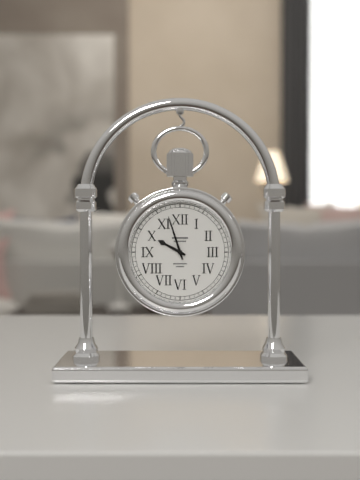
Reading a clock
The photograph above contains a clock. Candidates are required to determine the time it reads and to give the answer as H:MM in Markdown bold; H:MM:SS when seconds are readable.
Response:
**9:57**
